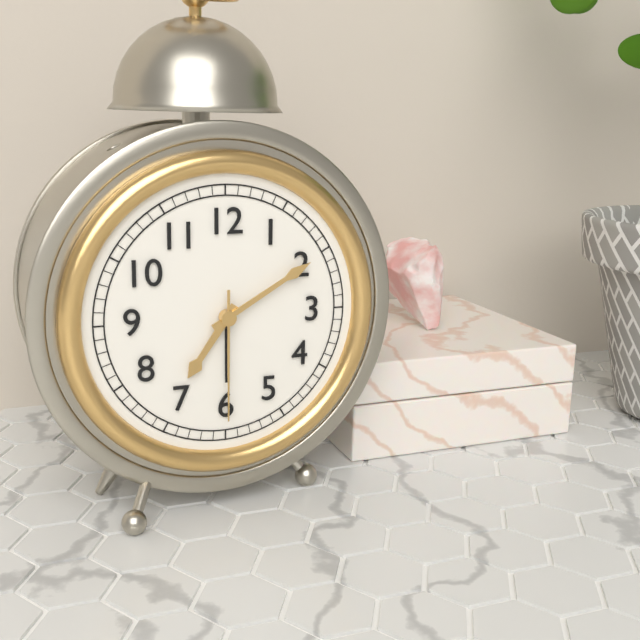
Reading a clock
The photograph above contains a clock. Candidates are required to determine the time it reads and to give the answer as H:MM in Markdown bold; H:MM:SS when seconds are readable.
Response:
**7:10:30**
